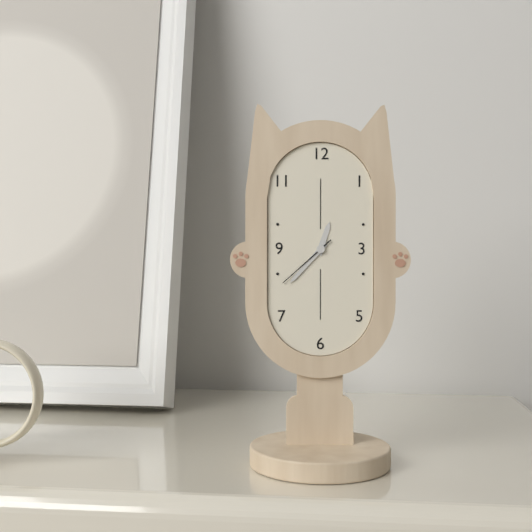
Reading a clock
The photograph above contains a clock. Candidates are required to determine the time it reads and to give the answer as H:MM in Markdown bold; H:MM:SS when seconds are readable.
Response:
**12:37:38**
